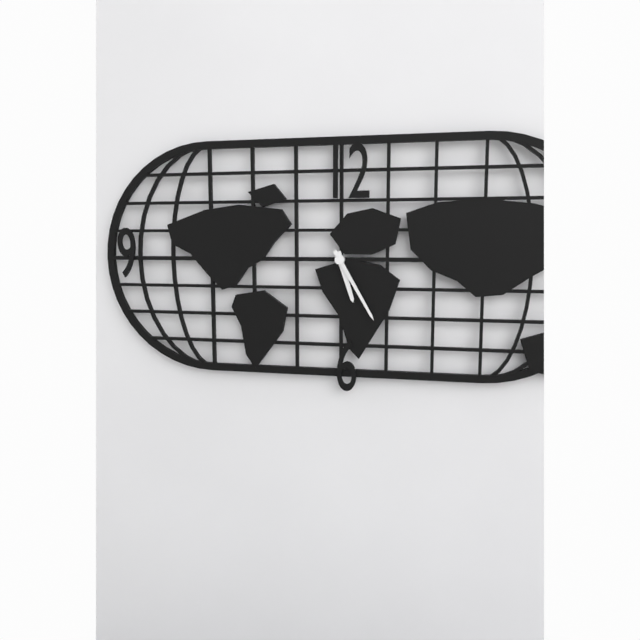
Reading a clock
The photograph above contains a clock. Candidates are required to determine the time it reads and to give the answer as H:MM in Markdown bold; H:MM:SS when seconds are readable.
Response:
**5:25**
